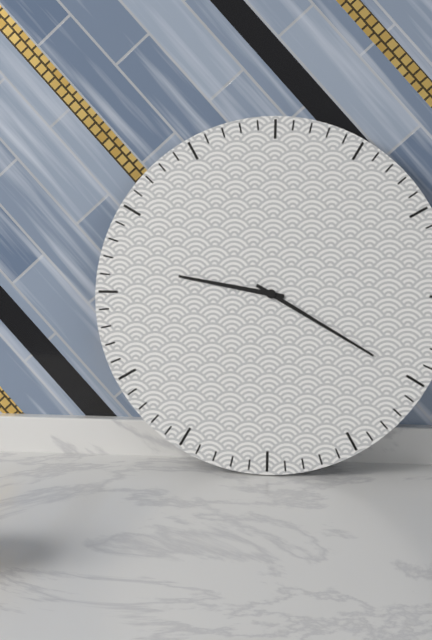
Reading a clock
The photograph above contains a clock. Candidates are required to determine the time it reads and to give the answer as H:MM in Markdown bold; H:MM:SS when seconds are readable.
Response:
**9:20**
